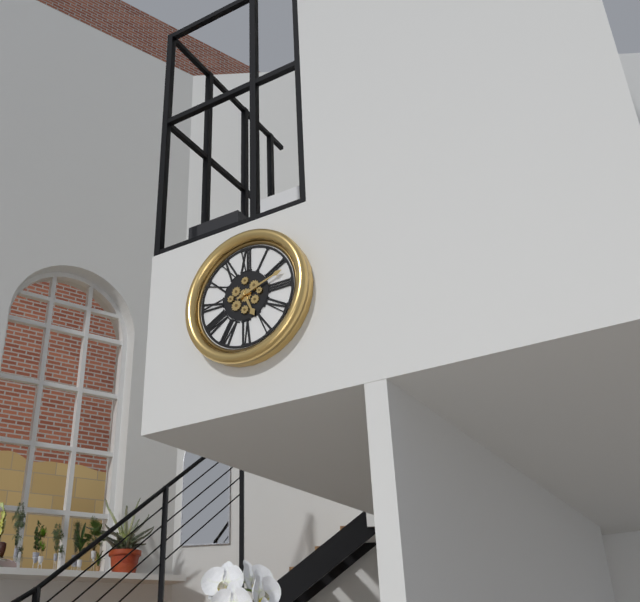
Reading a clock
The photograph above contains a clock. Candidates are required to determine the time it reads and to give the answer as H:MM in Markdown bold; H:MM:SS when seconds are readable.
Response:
**5:12**
